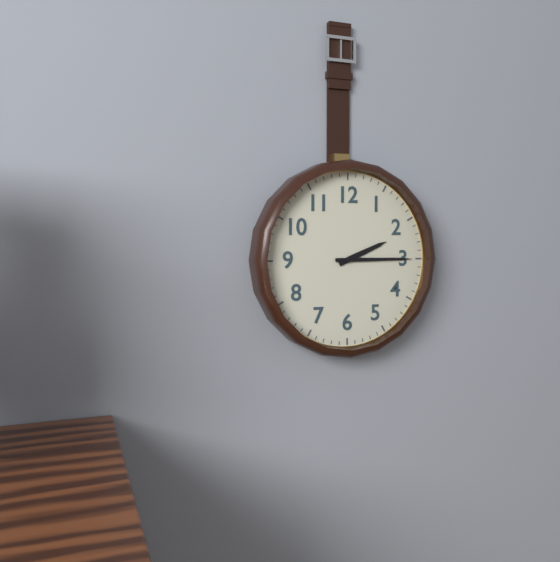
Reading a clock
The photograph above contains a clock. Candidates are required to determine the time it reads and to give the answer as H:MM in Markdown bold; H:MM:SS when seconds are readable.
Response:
**2:15**
